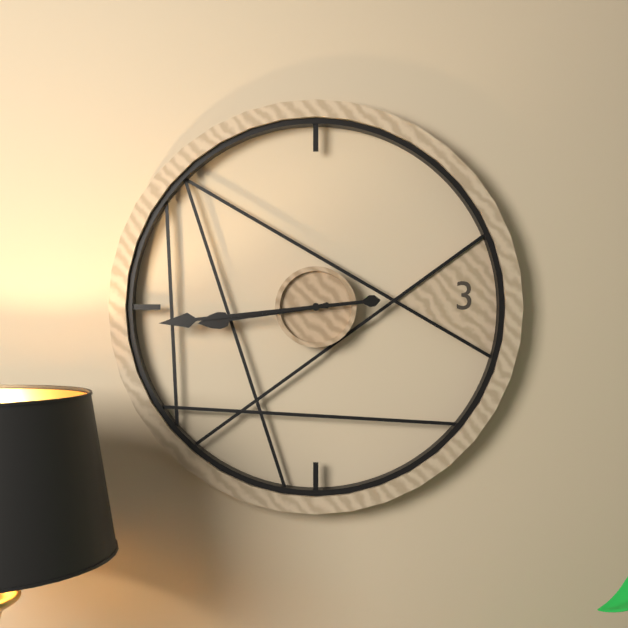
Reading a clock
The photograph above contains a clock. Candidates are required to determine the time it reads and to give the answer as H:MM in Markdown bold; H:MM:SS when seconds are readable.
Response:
**8:44**
